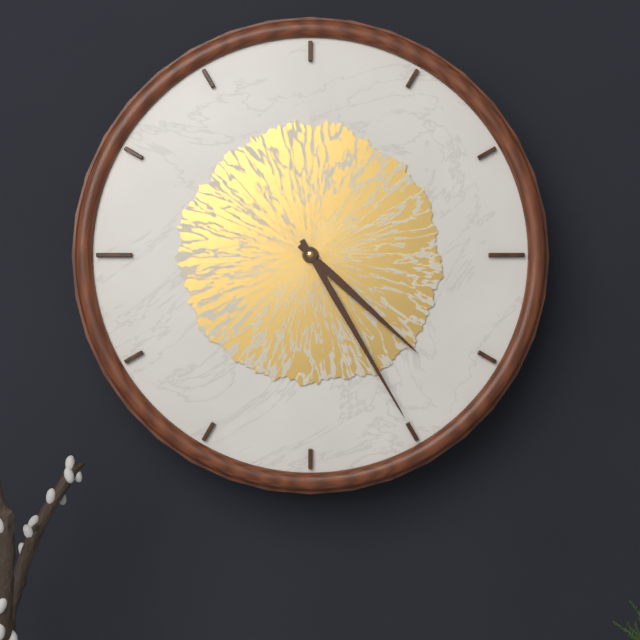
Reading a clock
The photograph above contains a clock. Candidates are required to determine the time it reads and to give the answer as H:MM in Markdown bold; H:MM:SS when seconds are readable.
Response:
**4:25**
